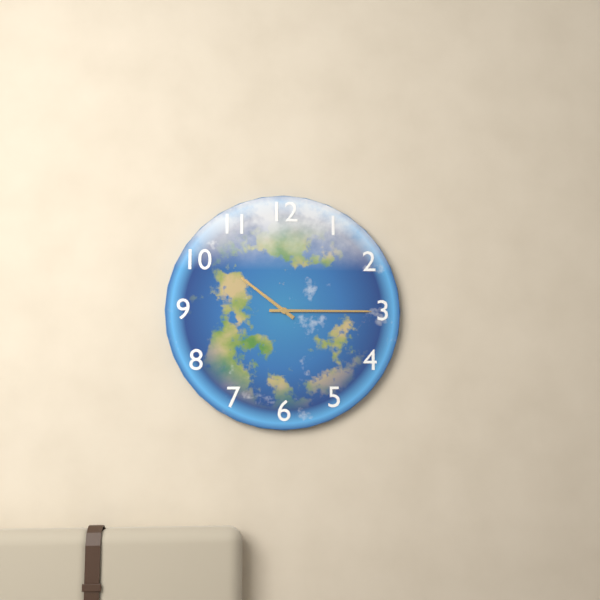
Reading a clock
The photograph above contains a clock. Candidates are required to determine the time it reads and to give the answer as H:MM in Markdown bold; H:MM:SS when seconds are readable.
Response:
**10:15**
